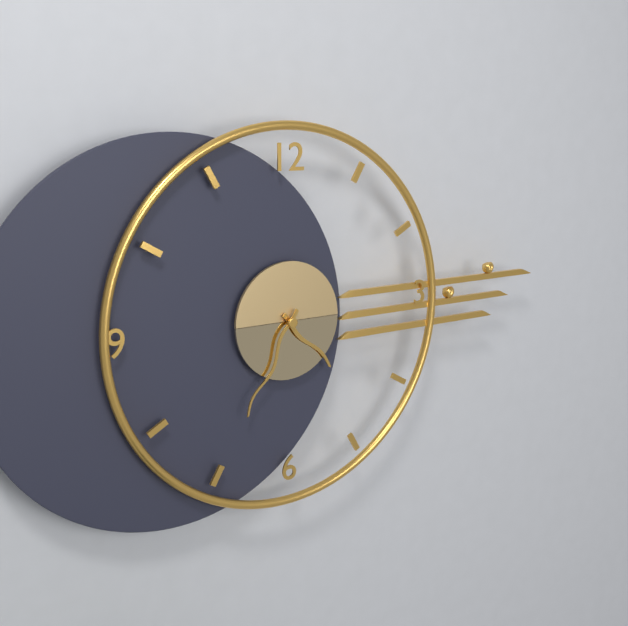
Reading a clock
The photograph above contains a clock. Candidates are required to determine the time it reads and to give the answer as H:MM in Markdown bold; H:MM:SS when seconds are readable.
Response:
**4:35**
